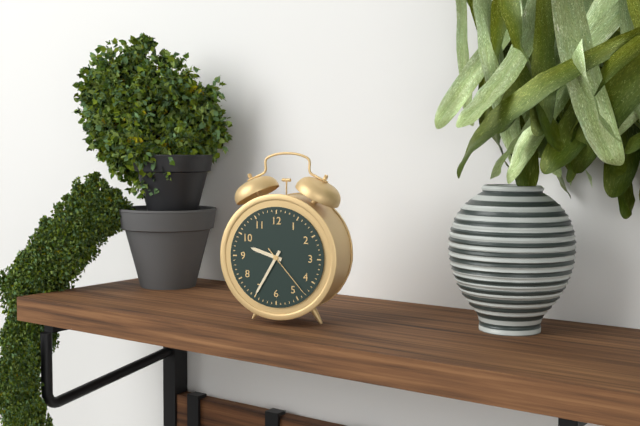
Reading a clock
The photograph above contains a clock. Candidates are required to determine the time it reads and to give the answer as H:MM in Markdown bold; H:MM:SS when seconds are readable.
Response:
**9:35:23**
